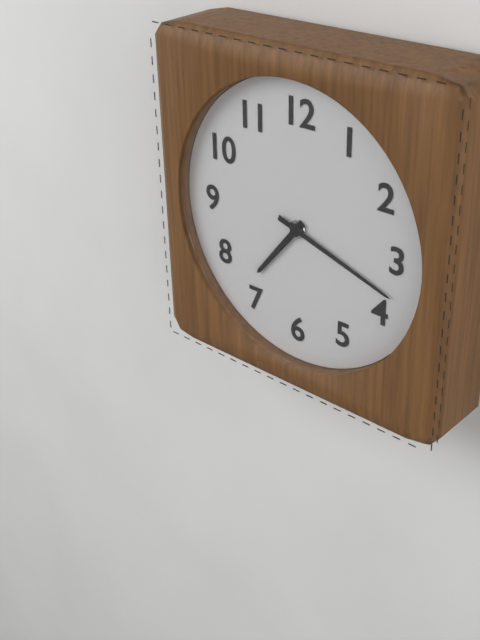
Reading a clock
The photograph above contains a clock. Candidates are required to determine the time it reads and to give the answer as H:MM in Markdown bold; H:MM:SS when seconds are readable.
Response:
**7:18**
